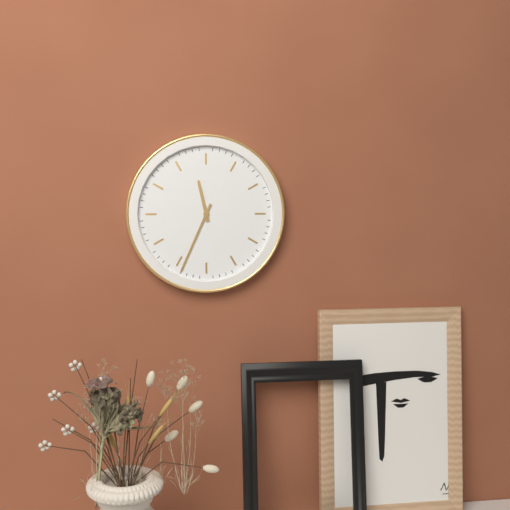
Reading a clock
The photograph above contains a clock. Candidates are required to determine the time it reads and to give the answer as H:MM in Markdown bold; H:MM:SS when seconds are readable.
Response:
**11:34**
